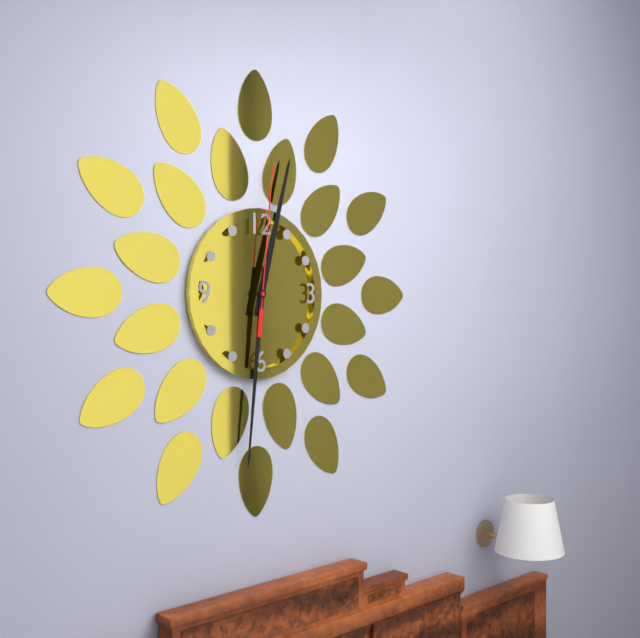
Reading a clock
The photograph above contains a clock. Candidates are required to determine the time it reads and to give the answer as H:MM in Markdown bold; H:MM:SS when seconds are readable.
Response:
**12:31:01**
